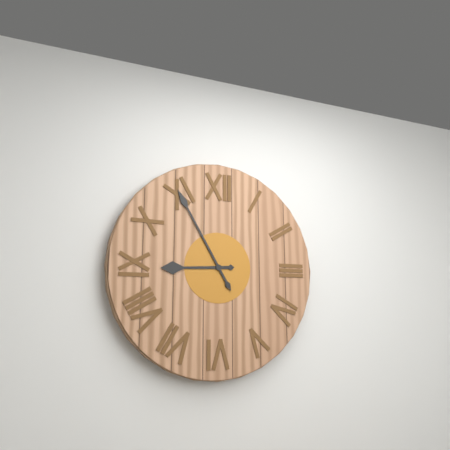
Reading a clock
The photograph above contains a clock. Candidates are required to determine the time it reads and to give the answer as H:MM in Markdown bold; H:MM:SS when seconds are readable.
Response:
**8:55**
